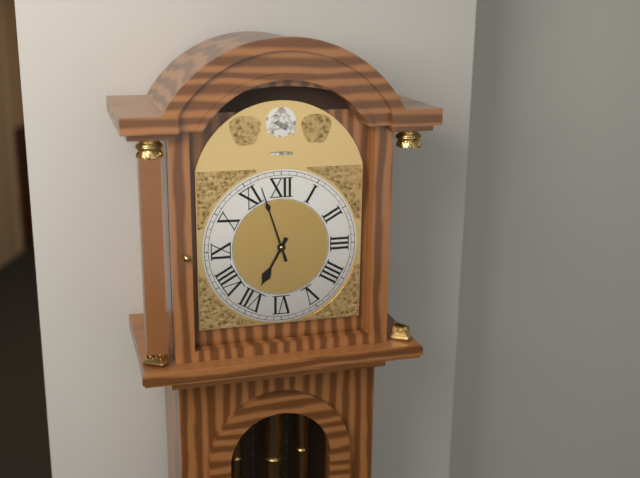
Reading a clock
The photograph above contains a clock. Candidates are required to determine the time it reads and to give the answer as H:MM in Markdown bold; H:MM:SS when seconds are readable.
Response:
**6:57**
